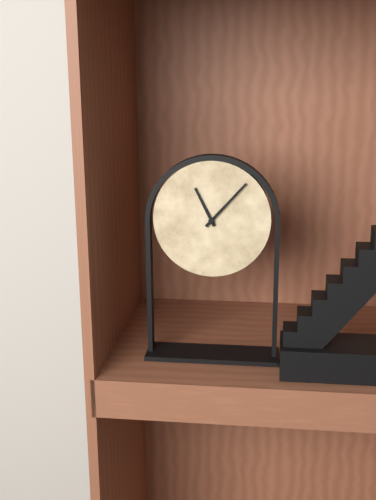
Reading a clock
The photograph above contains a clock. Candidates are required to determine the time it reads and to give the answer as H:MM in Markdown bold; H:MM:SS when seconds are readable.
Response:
**11:07**
